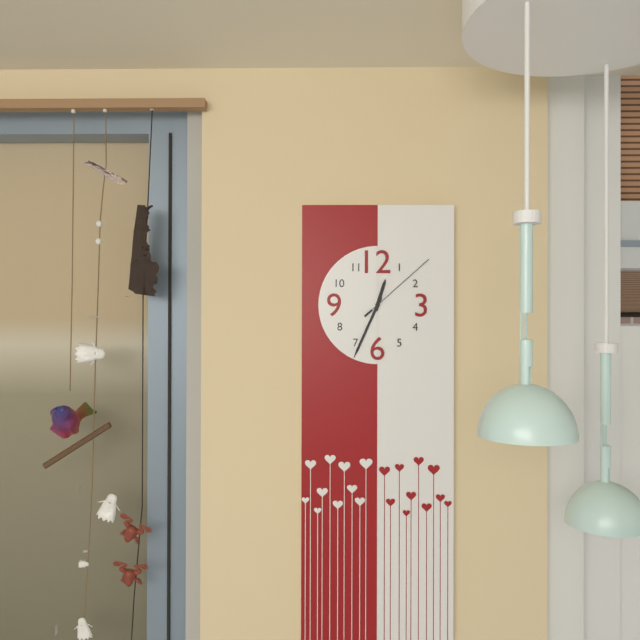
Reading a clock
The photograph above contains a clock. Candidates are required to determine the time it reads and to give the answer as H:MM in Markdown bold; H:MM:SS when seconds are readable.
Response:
**12:34:08**
